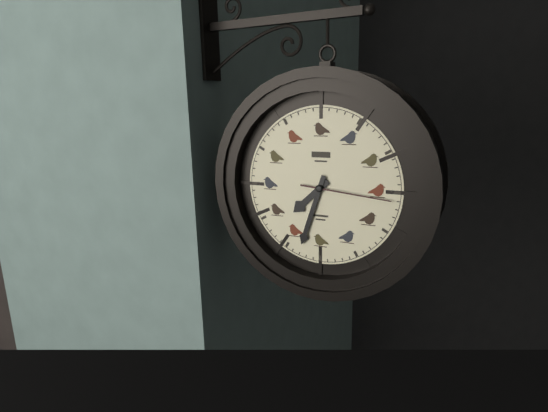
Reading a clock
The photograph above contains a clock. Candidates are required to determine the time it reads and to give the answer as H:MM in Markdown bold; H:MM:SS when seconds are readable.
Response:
**7:33:16**
